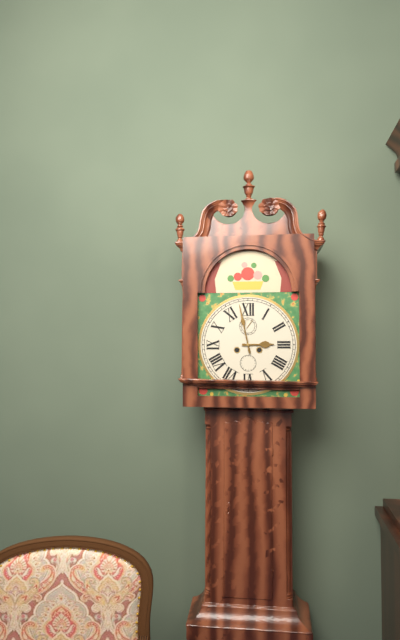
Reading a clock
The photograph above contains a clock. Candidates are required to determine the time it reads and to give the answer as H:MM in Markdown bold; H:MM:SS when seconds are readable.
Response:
**2:58**
